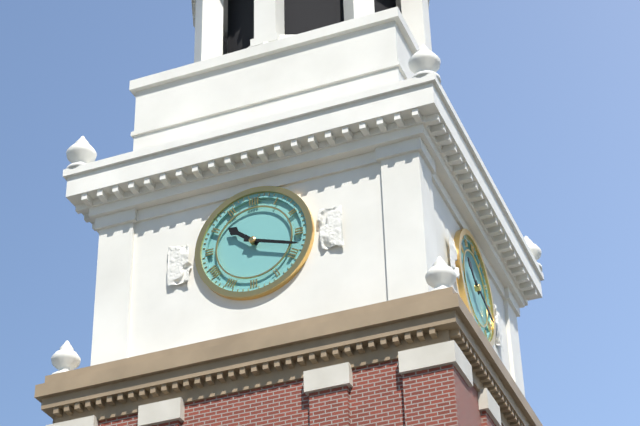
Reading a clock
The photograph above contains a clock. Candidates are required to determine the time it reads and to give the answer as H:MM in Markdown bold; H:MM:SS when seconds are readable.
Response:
**10:18**
